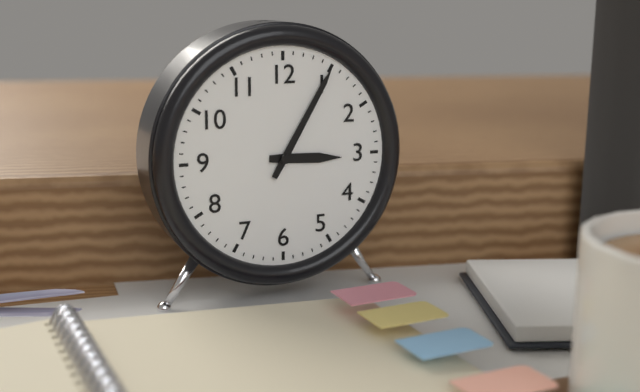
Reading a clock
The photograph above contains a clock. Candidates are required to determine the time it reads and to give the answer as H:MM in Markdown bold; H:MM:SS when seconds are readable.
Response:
**3:05**
